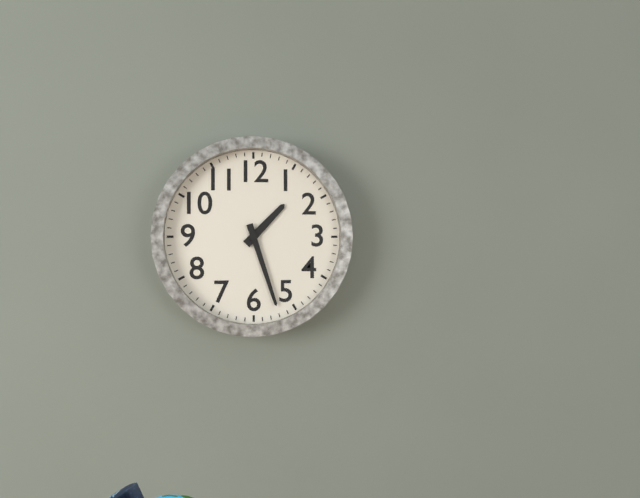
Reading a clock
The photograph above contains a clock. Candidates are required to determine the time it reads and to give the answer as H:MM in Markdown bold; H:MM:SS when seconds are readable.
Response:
**1:27**
